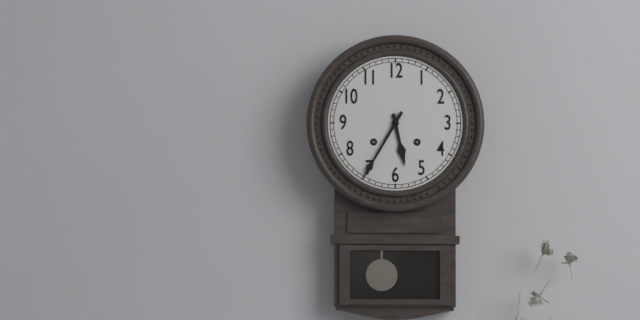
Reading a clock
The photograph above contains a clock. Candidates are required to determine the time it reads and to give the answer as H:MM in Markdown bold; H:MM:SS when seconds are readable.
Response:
**5:35**
